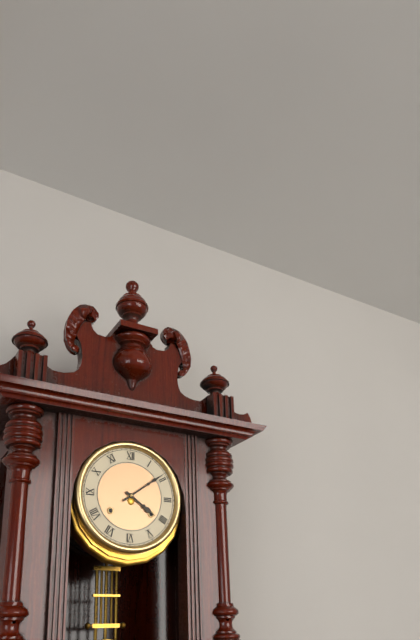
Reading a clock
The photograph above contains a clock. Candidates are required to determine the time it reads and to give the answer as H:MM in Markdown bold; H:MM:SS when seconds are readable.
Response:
**4:09**
